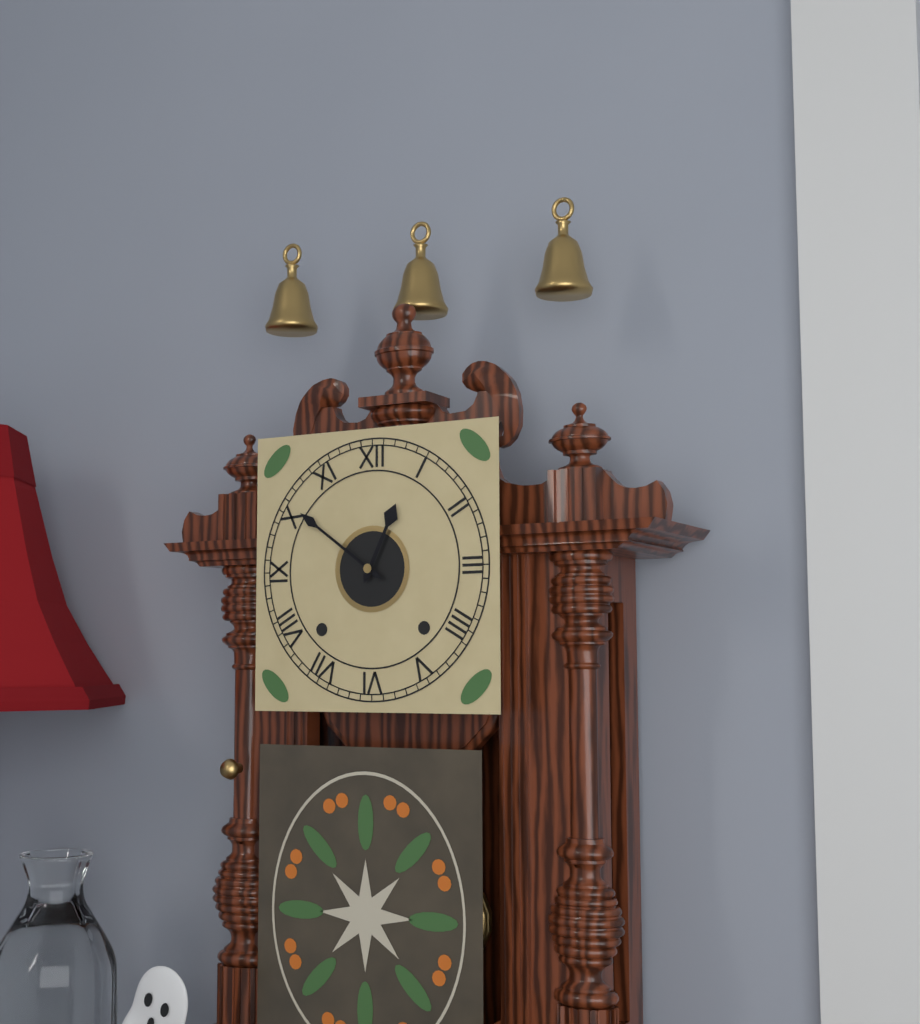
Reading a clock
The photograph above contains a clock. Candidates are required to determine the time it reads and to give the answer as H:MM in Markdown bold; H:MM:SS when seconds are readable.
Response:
**12:51**
